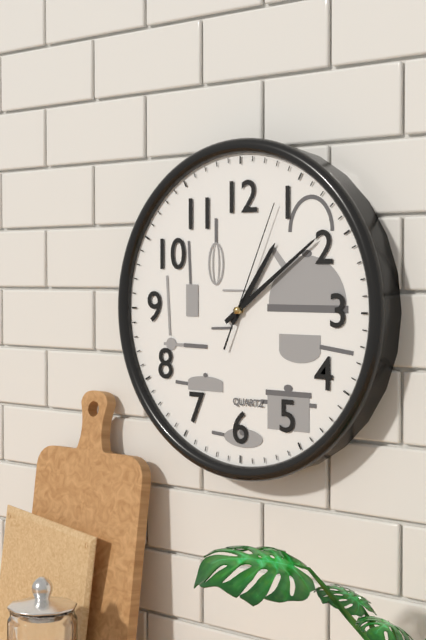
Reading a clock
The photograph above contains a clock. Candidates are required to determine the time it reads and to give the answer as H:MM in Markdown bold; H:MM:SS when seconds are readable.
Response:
**1:09:04**
